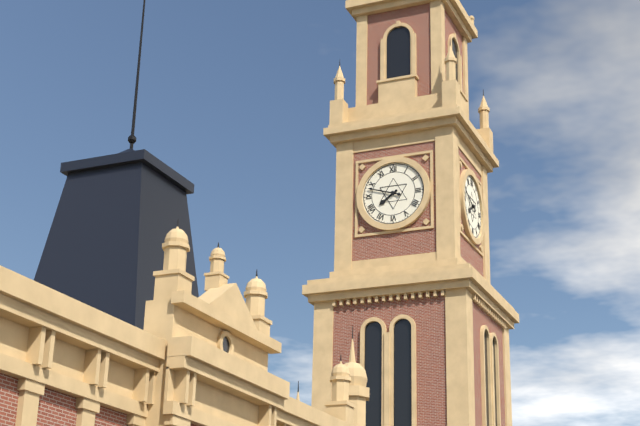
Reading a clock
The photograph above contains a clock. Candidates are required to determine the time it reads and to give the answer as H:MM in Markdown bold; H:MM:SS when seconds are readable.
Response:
**7:48**
